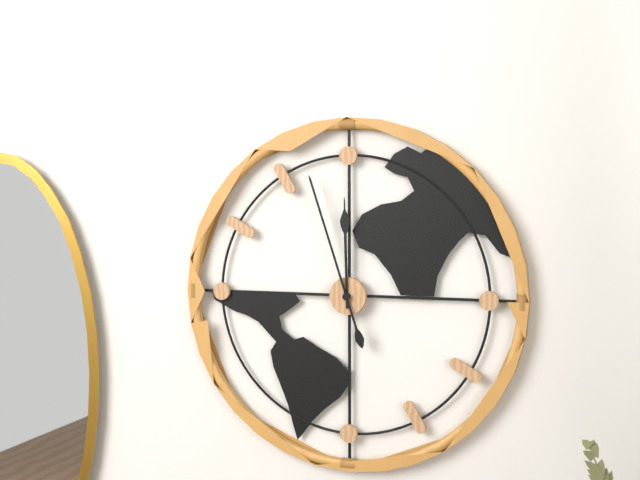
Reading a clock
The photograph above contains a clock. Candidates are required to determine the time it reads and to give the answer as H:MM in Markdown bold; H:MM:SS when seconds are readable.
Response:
**11:57**
